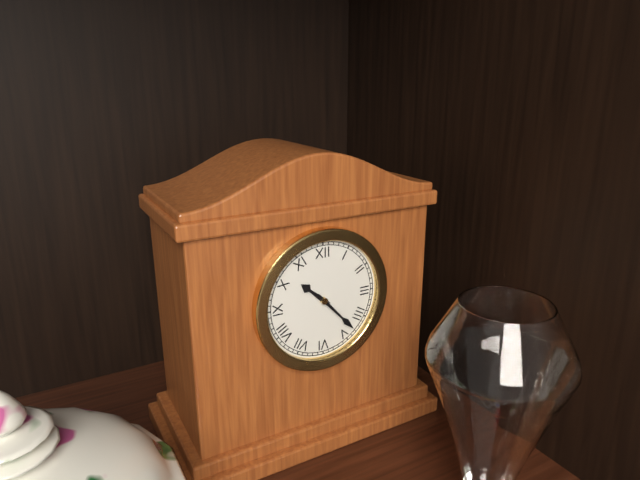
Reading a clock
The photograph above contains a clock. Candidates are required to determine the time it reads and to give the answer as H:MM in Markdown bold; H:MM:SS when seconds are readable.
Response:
**10:23**
